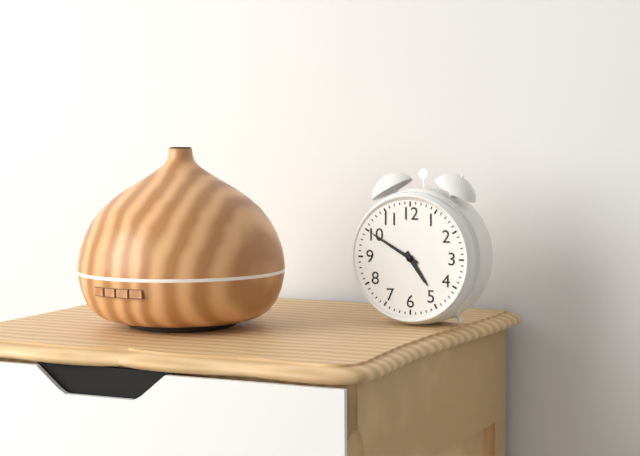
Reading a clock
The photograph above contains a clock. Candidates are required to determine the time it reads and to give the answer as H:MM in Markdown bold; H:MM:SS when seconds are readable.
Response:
**4:50**
